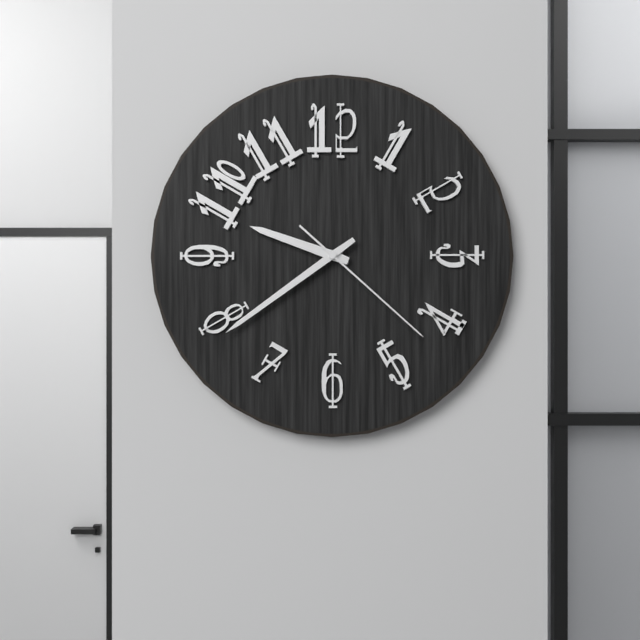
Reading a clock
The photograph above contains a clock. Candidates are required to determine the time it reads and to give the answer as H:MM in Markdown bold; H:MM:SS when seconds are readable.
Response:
**9:39:22**
